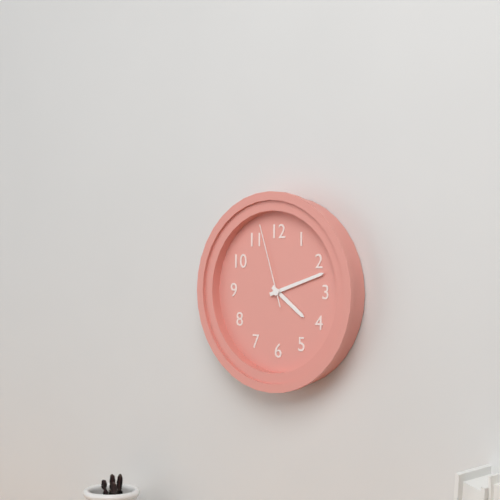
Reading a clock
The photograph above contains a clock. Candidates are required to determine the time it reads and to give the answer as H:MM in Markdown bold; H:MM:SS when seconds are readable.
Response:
**4:12:57**
